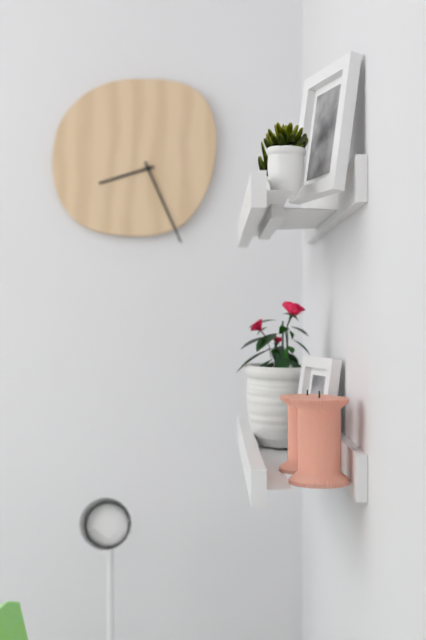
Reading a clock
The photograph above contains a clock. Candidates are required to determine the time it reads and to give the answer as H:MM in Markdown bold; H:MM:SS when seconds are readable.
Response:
**8:26**
